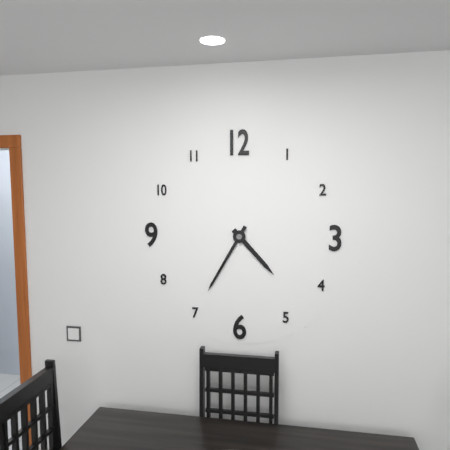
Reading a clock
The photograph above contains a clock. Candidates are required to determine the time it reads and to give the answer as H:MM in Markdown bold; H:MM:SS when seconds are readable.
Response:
**4:35**
